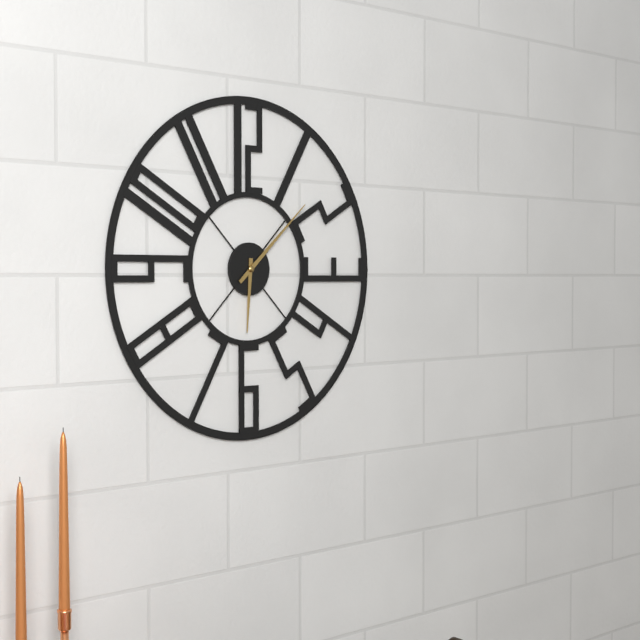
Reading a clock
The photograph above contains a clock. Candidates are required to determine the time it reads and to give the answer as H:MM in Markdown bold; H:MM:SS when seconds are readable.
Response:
**6:08**
